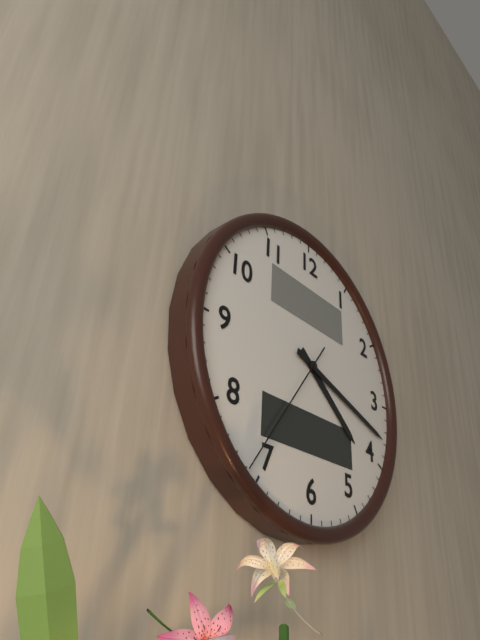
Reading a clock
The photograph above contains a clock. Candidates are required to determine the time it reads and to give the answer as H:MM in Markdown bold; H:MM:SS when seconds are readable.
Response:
**4:18:36**
